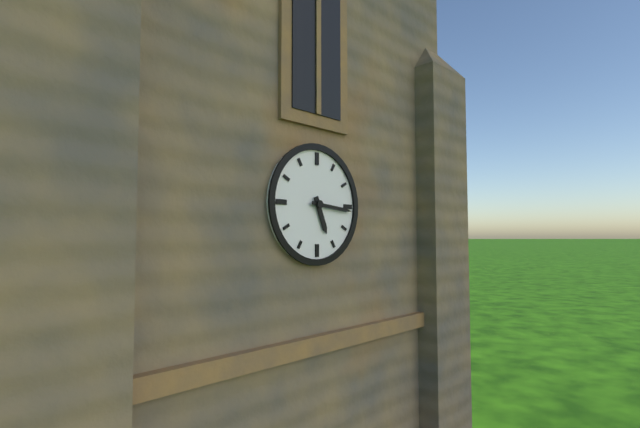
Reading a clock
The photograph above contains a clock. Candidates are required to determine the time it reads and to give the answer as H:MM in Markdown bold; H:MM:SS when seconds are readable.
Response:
**5:16**
